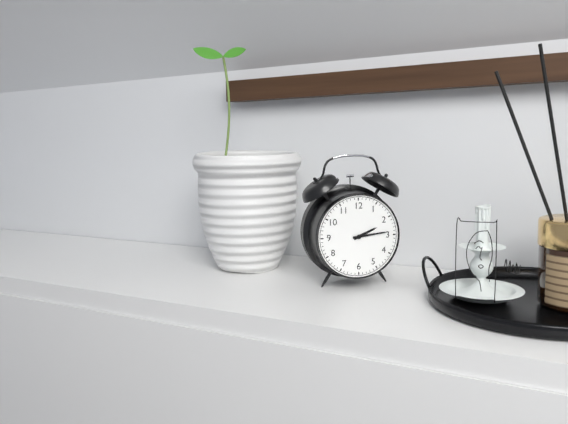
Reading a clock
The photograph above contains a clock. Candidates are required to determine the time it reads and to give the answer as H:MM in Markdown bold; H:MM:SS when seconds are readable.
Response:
**2:14**
